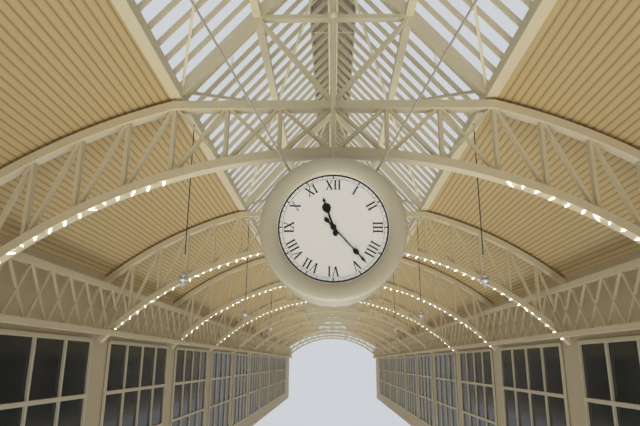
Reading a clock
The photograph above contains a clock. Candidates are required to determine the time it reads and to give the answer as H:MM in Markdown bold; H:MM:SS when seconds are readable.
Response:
**11:23**
